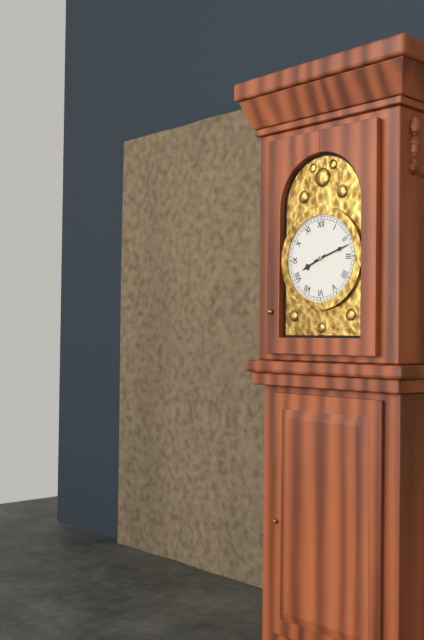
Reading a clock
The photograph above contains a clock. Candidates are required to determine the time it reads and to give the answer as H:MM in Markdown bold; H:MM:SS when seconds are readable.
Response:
**8:12**
